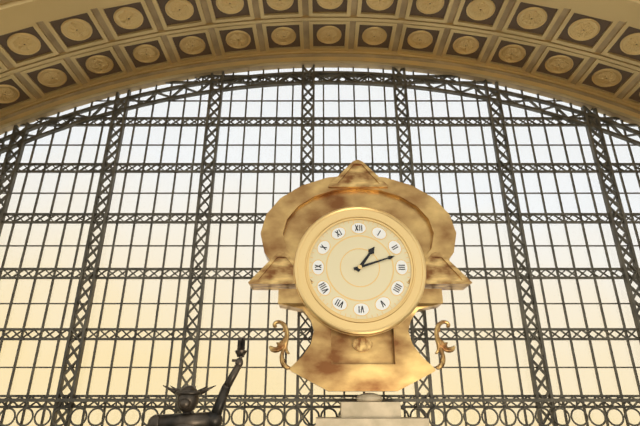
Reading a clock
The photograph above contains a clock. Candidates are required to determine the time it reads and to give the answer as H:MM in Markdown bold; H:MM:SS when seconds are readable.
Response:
**1:12**
